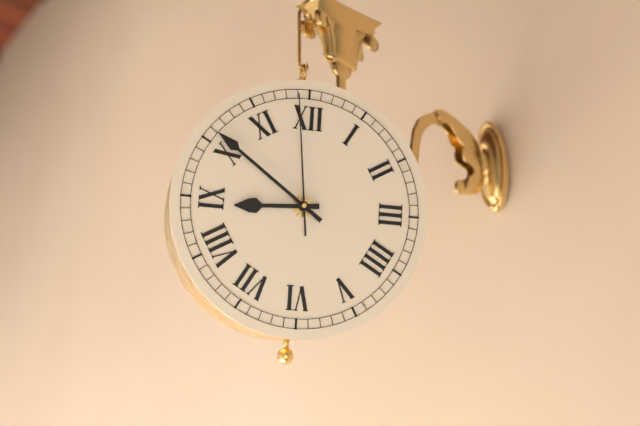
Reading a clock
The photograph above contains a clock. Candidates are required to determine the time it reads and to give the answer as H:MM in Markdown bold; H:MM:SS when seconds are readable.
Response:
**8:51:59**
